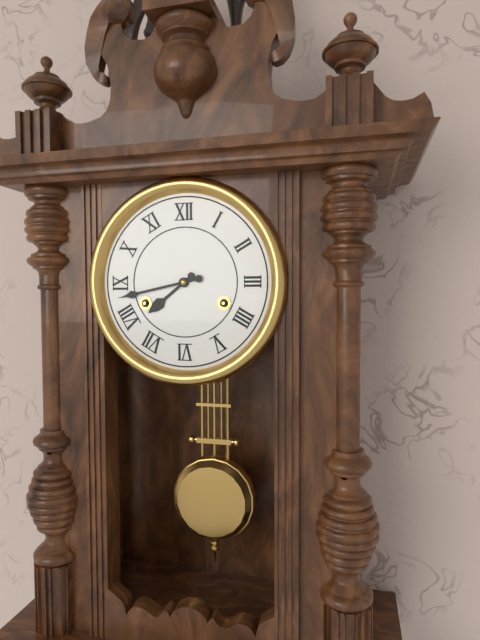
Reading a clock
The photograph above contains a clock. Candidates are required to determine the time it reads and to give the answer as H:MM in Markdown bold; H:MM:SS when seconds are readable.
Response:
**7:43**
